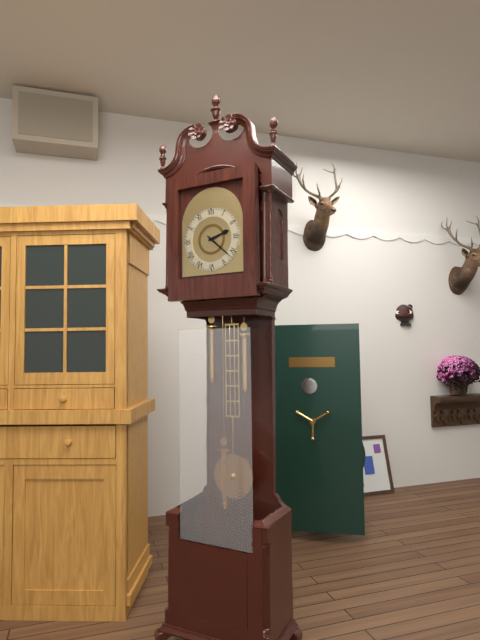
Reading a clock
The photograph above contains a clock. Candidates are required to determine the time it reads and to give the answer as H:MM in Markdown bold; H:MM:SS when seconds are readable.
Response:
**2:22**
